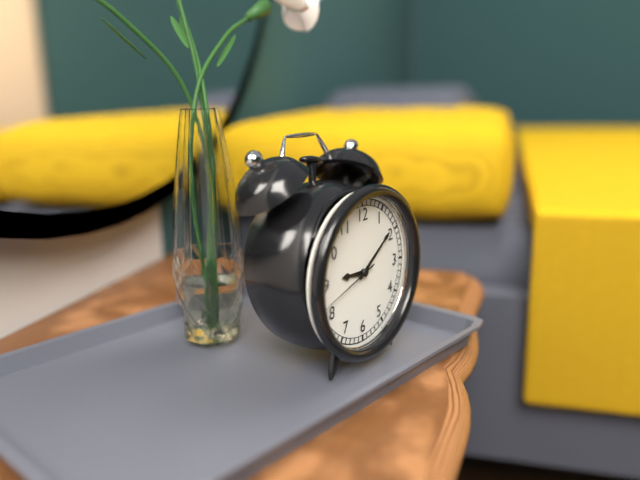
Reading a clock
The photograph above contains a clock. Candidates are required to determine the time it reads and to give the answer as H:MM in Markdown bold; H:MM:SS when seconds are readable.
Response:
**9:09:42**
